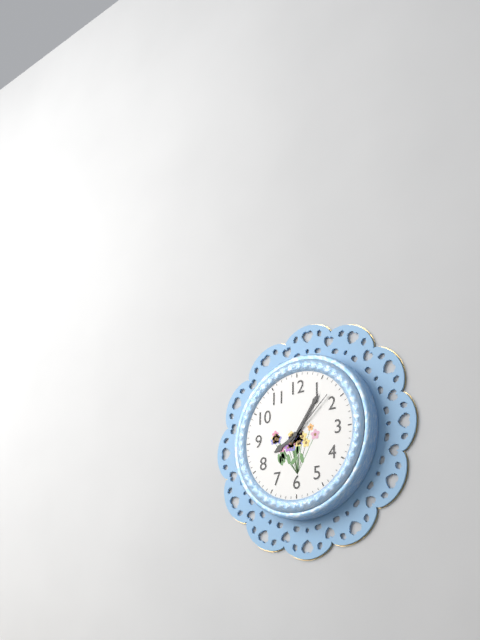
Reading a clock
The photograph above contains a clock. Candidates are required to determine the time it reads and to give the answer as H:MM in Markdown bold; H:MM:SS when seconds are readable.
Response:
**8:06:08**
